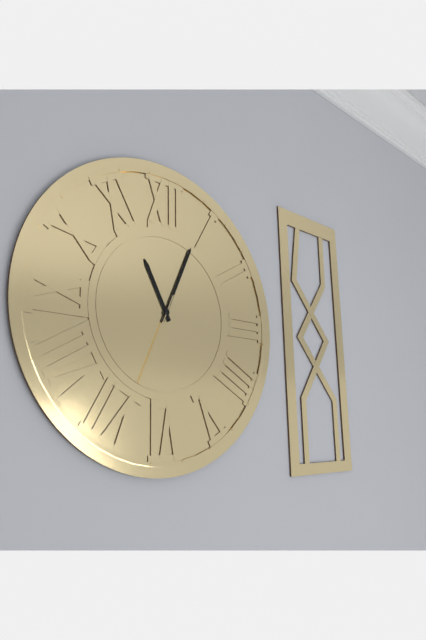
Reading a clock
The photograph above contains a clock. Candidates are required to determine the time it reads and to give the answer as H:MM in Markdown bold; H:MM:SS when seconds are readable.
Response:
**11:04:34**
